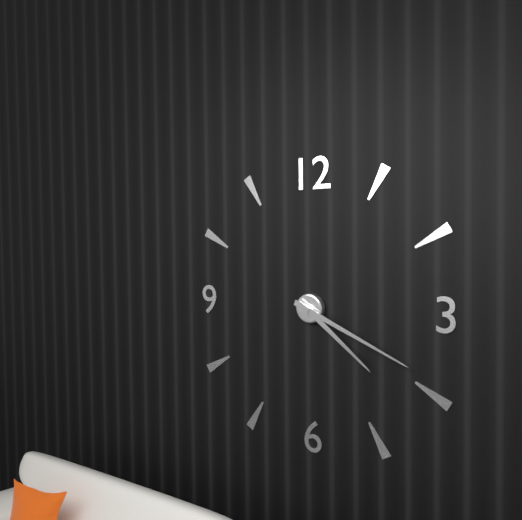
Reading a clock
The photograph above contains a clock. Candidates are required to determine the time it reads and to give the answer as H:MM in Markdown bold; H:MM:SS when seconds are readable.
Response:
**4:19**
